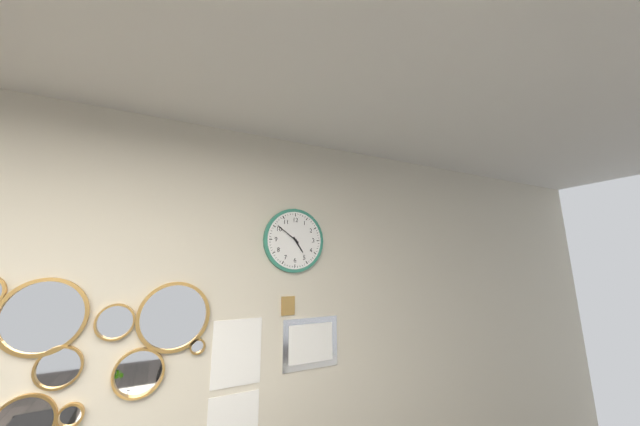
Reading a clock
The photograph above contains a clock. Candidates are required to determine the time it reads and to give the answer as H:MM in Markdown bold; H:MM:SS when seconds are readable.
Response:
**4:51**
